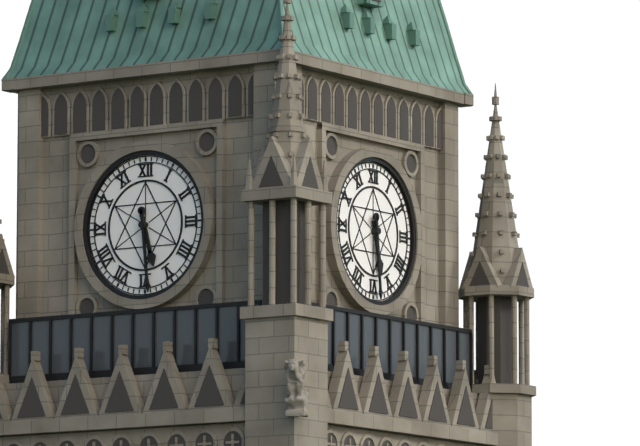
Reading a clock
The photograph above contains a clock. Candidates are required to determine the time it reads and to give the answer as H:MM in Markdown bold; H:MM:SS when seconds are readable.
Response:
**5:29**
